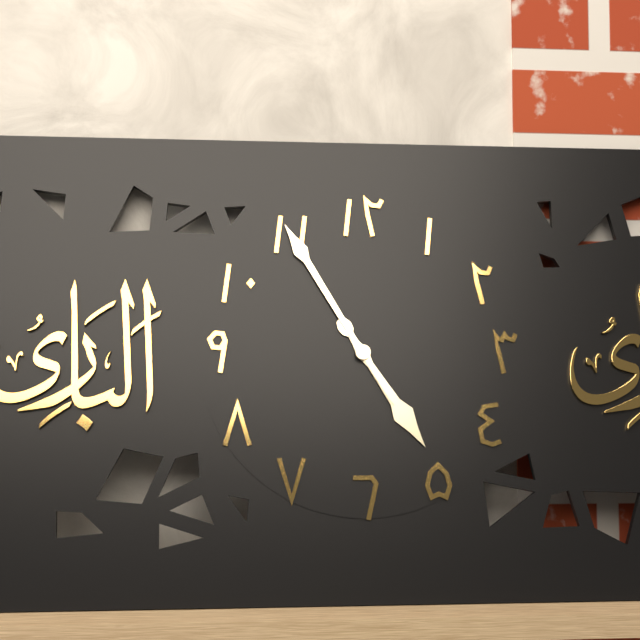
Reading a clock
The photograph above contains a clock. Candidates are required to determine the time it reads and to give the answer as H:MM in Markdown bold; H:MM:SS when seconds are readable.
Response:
**4:55**
